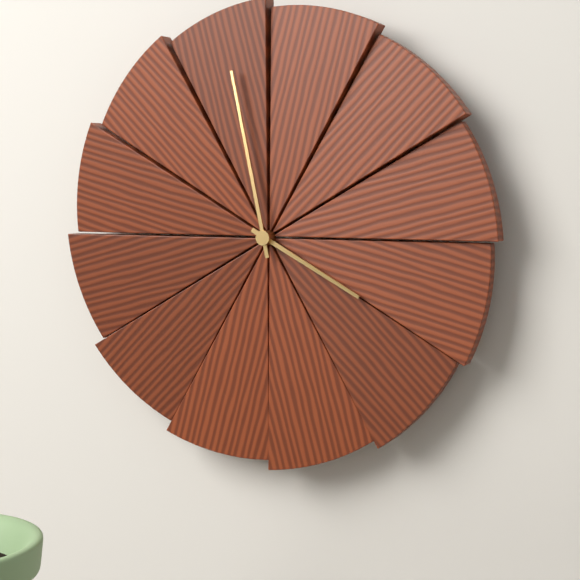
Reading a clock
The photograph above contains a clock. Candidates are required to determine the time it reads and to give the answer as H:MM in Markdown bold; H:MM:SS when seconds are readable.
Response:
**3:58**
